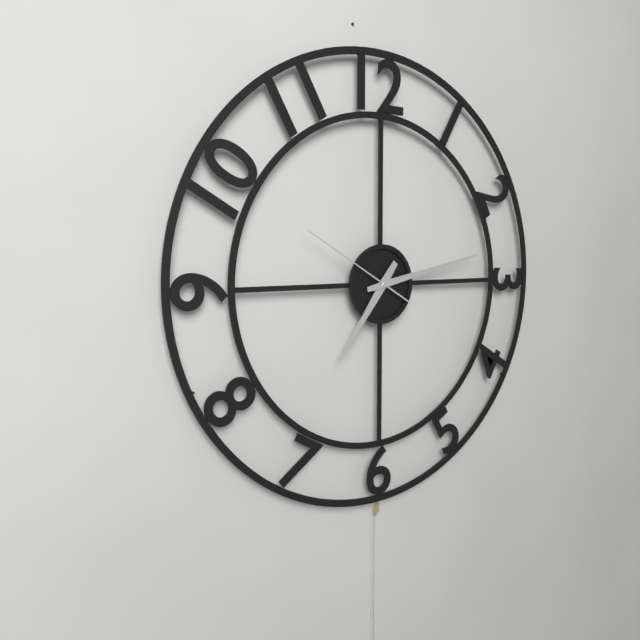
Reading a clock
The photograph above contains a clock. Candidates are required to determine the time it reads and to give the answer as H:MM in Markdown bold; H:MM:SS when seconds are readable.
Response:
**7:13:50**
